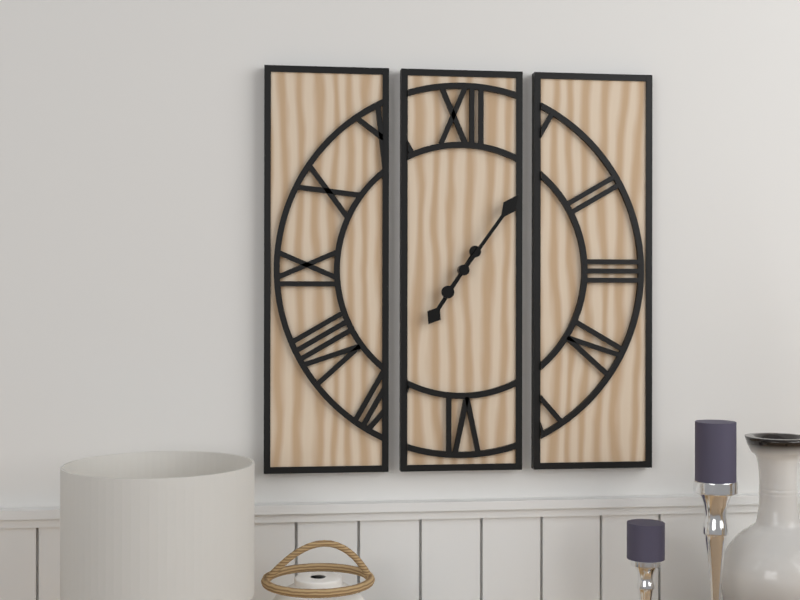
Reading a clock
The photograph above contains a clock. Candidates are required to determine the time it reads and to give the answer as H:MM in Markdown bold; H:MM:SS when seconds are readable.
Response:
**7:06**
